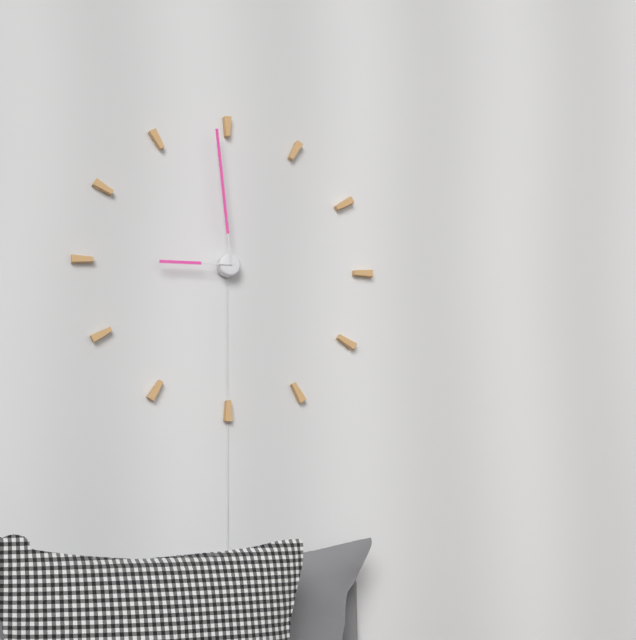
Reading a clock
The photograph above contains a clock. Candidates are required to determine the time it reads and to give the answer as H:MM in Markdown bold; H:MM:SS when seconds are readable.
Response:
**8:59**
